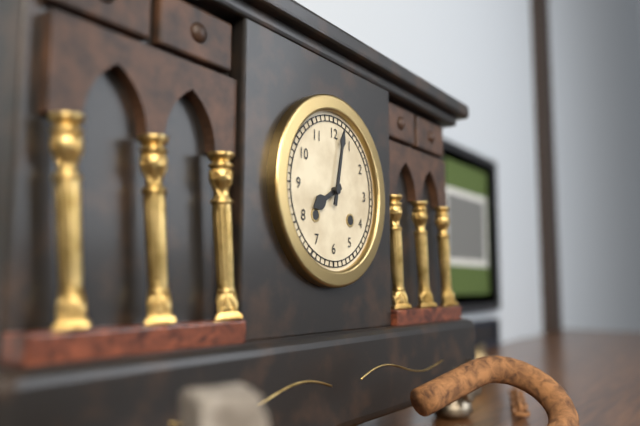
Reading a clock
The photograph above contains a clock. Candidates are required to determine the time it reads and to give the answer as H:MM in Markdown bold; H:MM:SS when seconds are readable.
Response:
**8:02**
